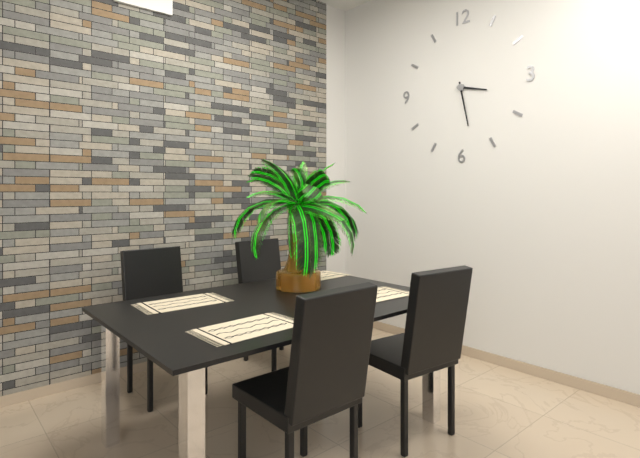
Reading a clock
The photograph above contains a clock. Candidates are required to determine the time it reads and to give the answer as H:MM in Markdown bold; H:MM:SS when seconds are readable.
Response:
**3:28**
